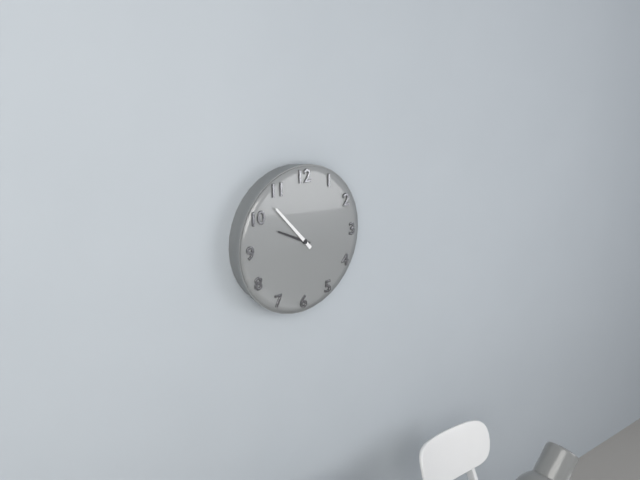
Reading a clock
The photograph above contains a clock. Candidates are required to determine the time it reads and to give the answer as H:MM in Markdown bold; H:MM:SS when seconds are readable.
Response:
**9:53**
